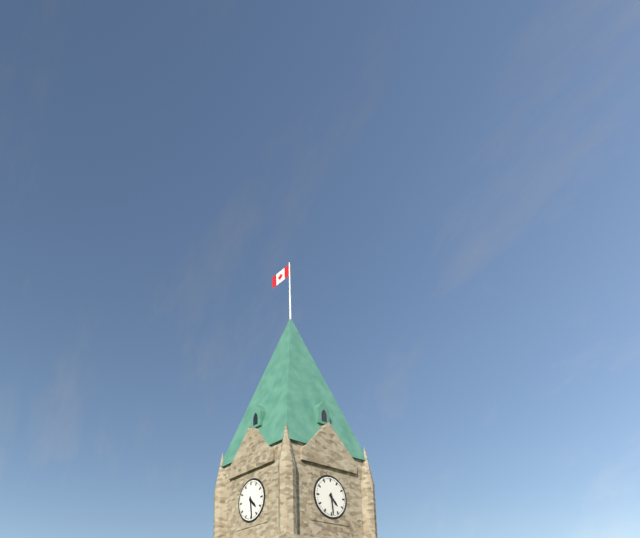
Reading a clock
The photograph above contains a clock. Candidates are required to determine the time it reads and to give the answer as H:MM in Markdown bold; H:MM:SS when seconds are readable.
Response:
**4:29**
